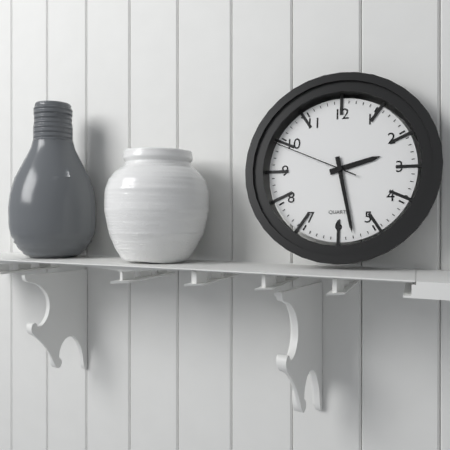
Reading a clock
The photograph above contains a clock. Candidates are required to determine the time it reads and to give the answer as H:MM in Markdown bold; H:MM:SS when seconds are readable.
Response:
**2:28:49**
